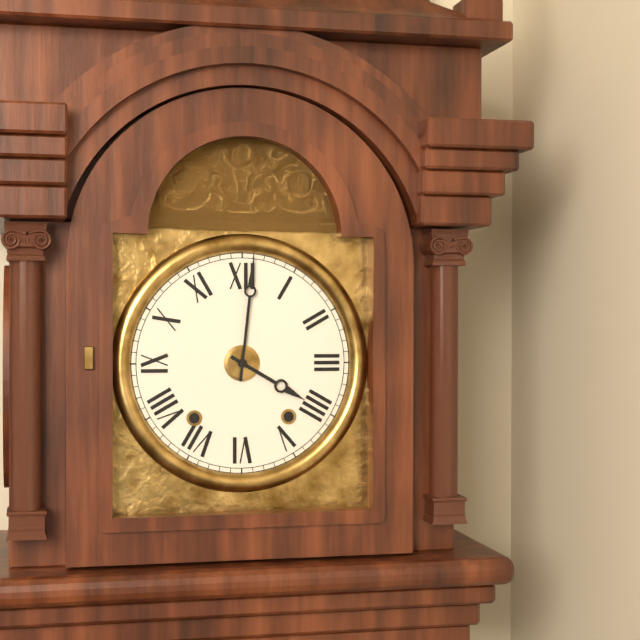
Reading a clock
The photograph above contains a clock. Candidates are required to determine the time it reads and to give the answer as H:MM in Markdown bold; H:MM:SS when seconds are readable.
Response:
**4:01**
